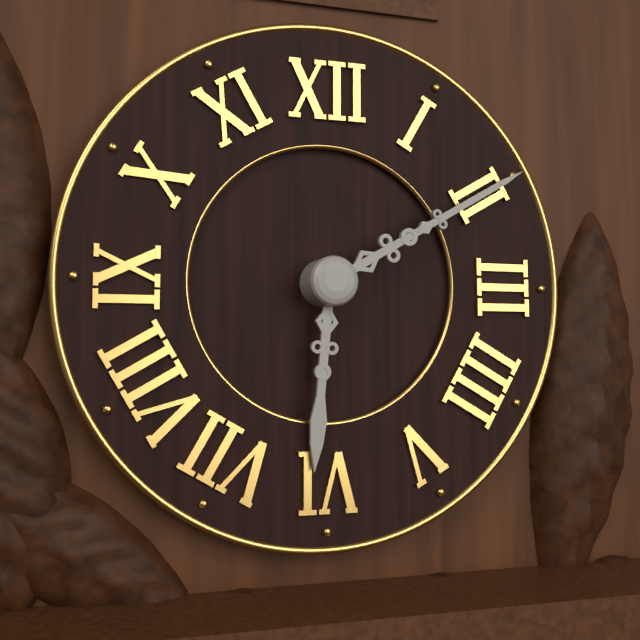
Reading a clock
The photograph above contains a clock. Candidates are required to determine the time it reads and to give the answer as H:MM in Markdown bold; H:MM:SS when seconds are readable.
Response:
**6:10**
